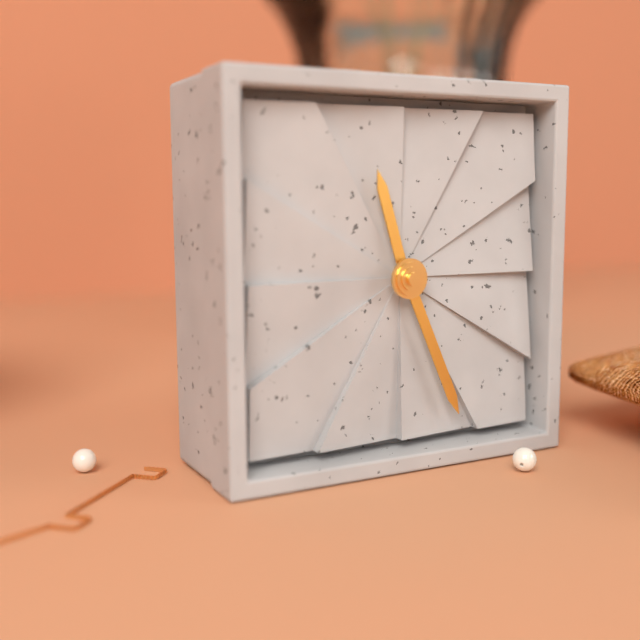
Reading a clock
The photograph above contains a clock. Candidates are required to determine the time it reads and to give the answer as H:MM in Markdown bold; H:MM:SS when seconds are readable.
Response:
**11:26**
